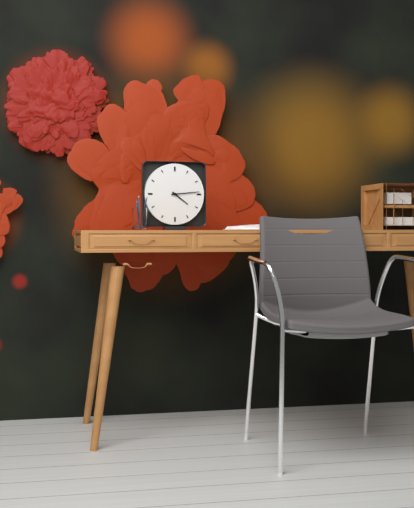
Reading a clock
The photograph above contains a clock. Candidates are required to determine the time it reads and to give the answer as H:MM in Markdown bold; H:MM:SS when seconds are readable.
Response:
**4:14**
